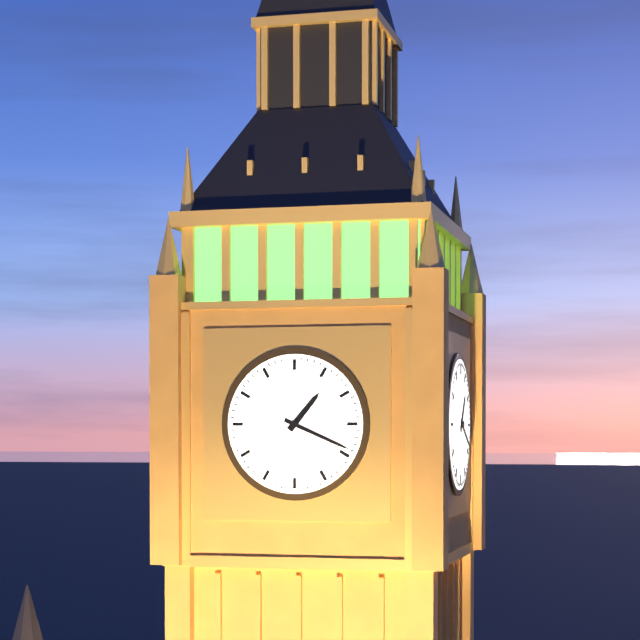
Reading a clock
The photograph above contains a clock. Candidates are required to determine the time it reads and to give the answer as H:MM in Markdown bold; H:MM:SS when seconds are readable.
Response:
**1:19**
